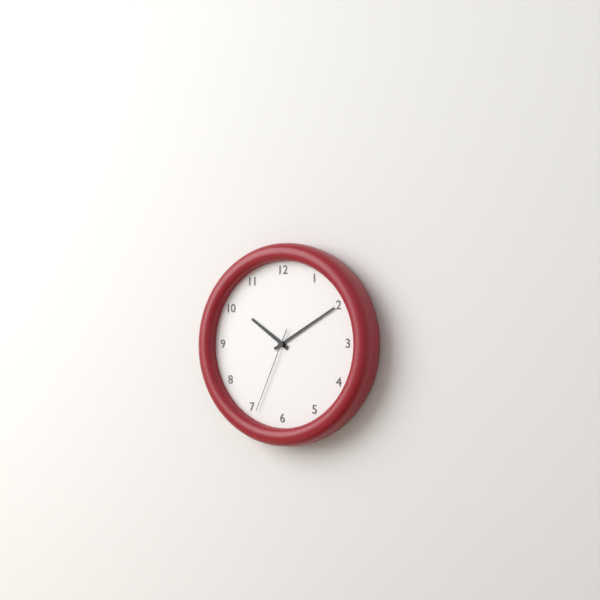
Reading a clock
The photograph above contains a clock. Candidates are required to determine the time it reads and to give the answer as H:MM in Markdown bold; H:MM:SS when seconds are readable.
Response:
**10:10:34**
